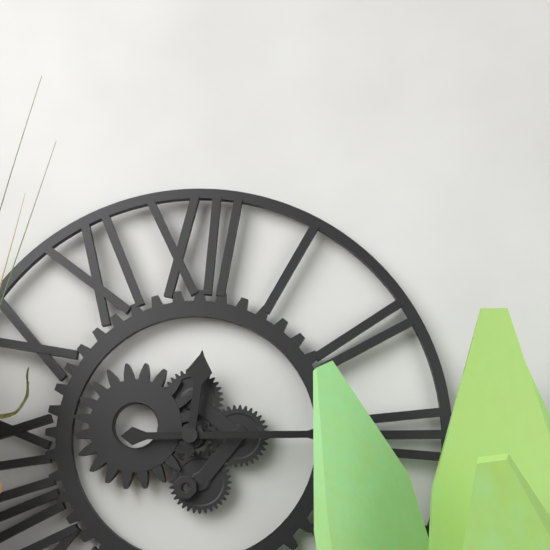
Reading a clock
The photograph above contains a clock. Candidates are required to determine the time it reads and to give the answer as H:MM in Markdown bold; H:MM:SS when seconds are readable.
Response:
**12:15**
